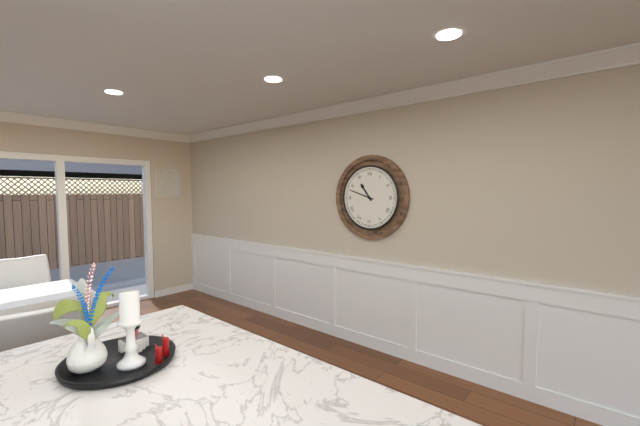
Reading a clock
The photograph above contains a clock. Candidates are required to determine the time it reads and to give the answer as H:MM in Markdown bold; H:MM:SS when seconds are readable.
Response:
**10:48**
